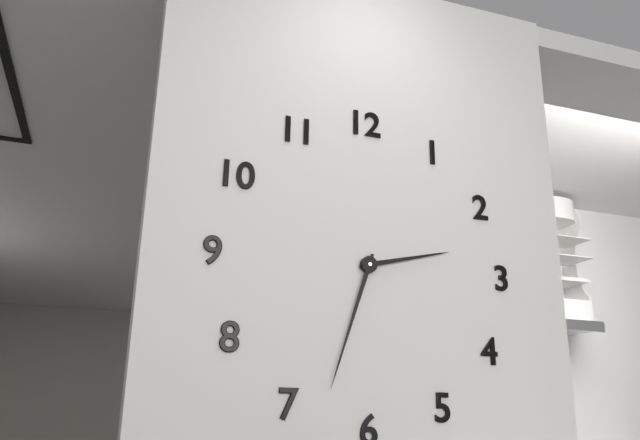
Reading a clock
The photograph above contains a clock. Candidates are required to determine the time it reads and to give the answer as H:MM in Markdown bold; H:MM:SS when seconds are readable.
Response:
**2:33**
